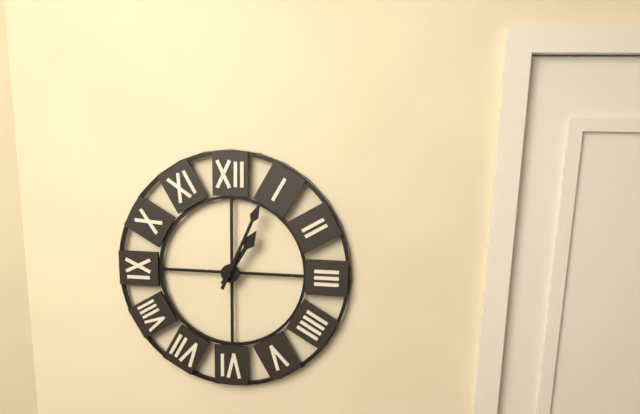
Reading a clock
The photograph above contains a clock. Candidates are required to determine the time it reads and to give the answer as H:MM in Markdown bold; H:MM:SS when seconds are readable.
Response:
**1:04**
